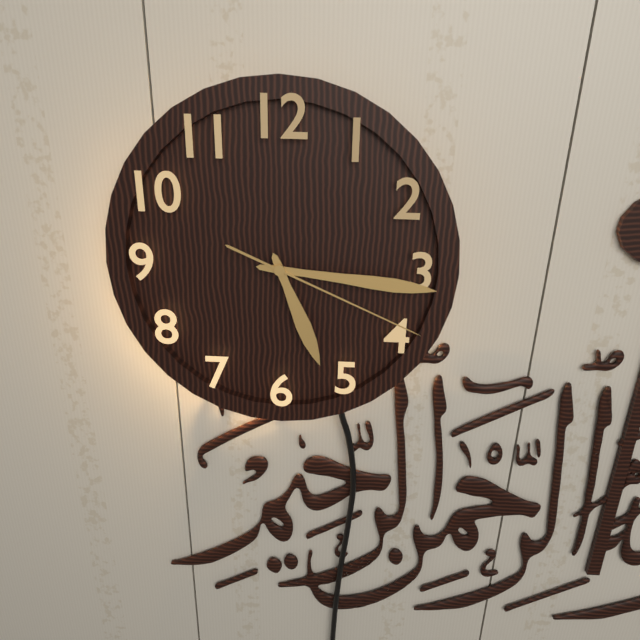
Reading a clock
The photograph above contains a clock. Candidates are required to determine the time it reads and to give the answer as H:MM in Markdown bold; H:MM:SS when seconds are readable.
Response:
**5:16:19**
